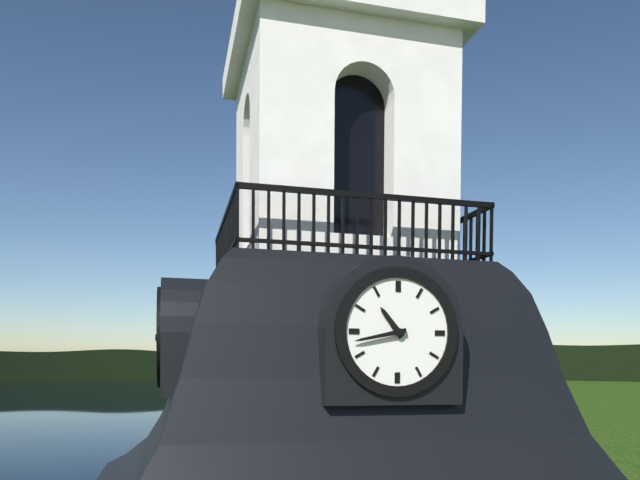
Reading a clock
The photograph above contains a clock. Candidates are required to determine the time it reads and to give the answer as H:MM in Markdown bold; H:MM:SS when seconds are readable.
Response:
**10:43**
